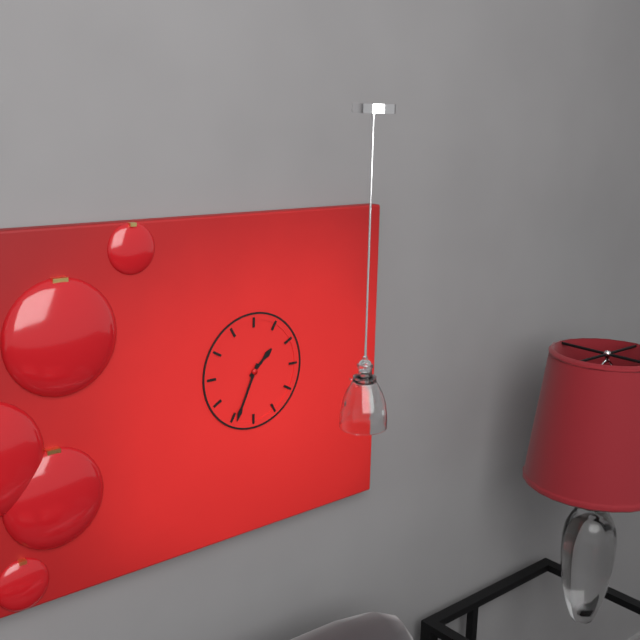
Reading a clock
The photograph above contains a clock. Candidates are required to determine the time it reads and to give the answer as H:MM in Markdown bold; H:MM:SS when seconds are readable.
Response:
**1:34**
